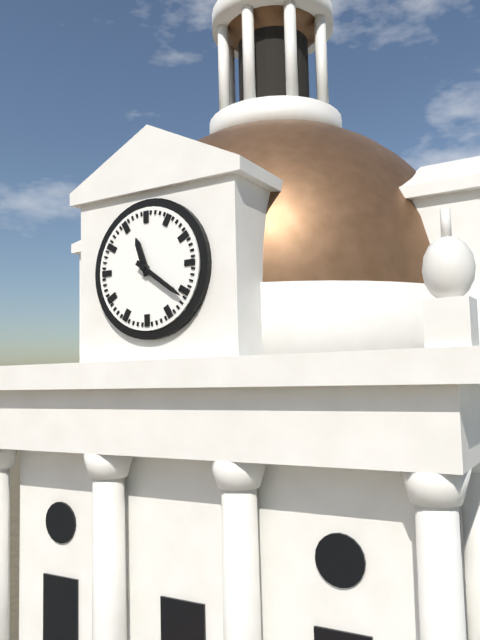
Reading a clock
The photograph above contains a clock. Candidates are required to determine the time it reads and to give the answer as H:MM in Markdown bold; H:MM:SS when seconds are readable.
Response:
**11:21**
